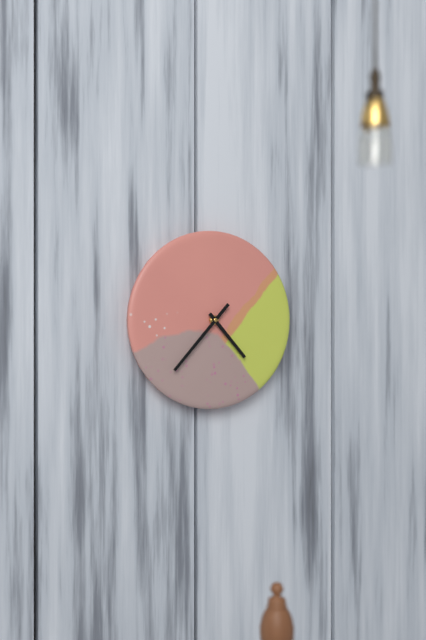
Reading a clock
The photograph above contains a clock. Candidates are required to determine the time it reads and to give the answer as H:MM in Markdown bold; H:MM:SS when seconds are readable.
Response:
**4:37**
